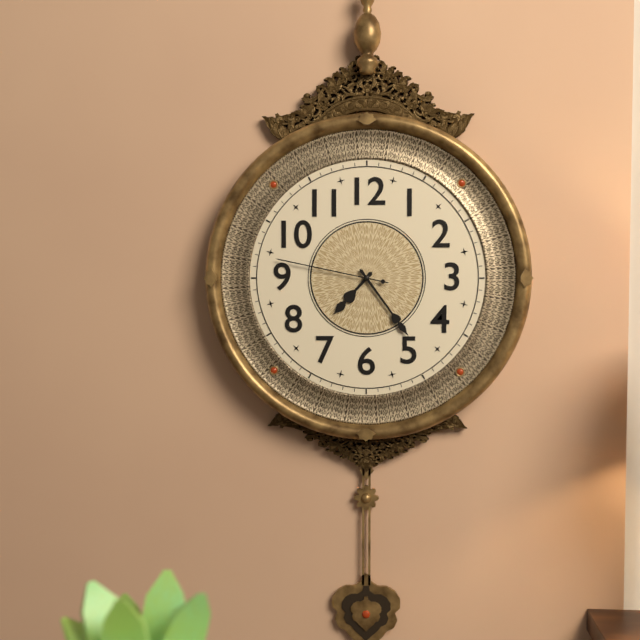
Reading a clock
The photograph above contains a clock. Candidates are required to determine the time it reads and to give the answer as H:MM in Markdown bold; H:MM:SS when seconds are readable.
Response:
**7:24:47**
